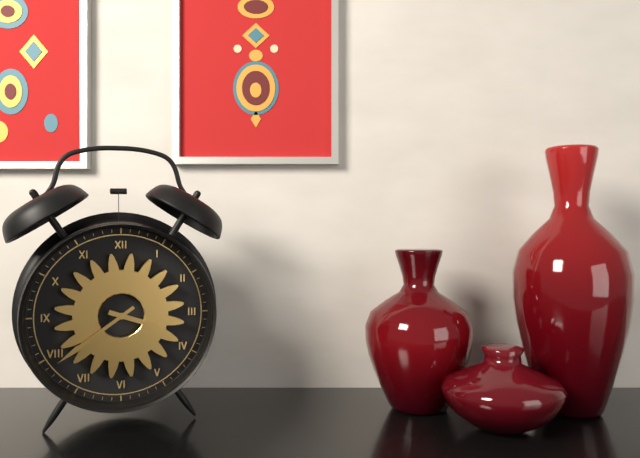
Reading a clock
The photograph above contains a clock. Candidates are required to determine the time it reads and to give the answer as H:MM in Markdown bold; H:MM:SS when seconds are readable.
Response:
**3:39**
